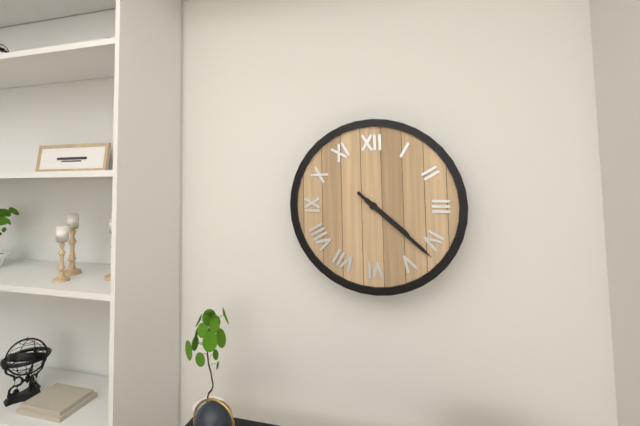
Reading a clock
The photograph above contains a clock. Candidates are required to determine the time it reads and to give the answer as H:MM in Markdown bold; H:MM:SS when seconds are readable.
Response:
**4:22**
